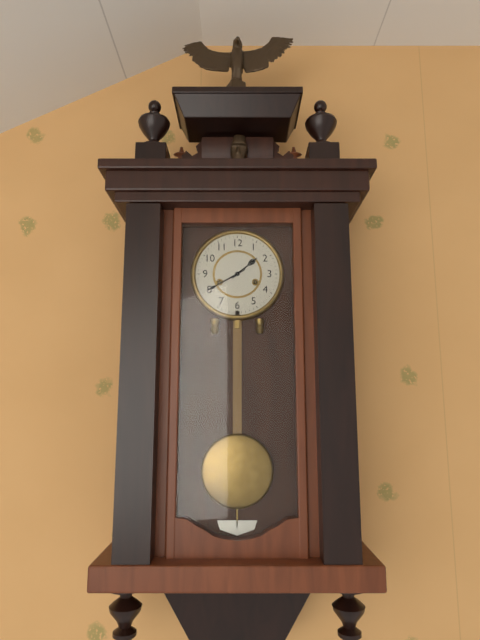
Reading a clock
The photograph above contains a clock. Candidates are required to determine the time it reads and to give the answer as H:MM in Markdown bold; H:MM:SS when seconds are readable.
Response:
**1:40**
